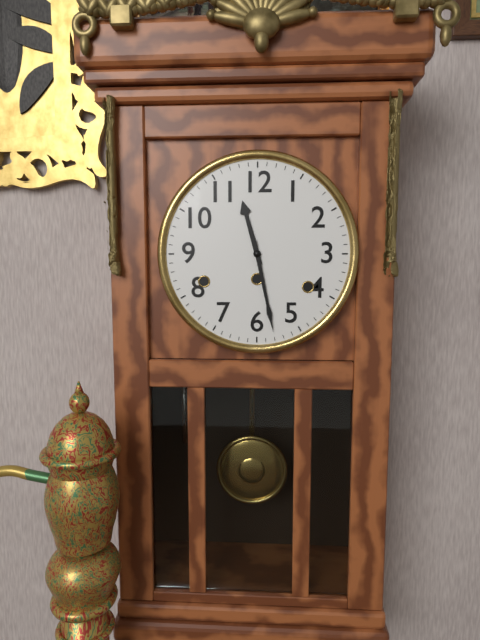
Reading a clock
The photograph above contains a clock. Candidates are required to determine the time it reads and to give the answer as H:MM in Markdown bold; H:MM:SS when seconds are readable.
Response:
**11:28**
